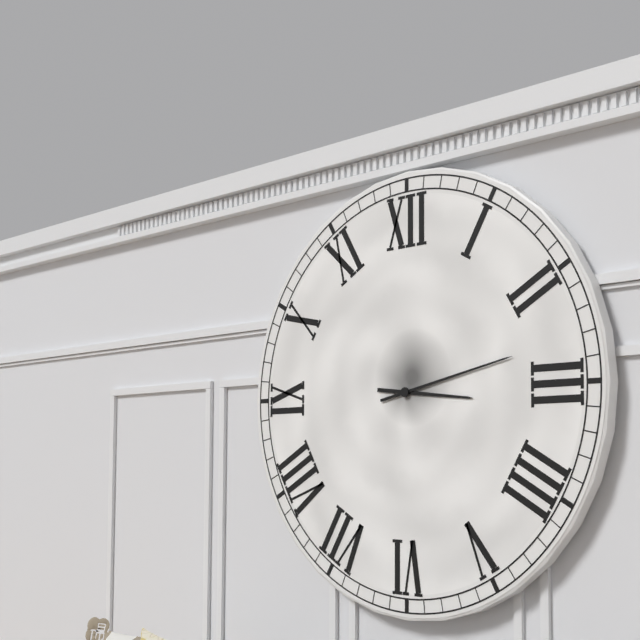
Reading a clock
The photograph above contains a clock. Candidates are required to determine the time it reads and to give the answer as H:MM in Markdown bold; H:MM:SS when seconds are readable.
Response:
**3:13**
